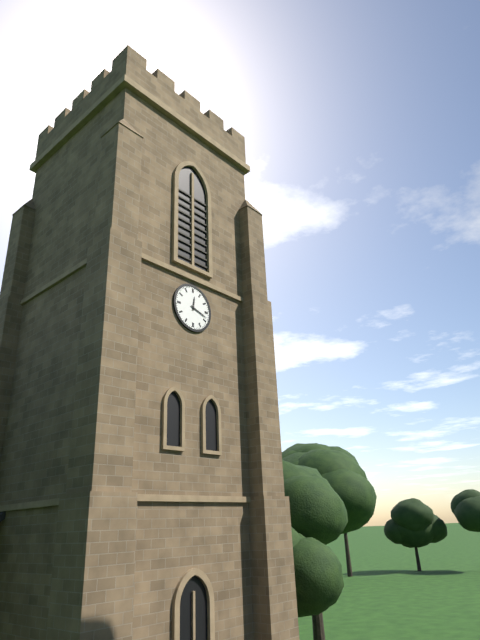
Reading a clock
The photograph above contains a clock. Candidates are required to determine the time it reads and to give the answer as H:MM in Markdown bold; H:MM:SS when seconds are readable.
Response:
**12:18**
